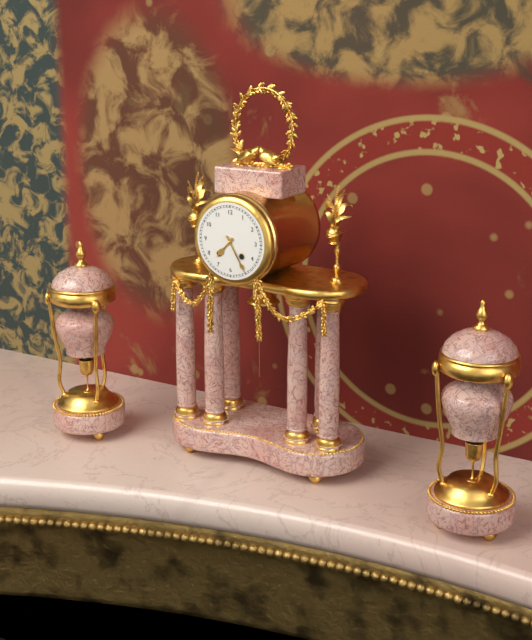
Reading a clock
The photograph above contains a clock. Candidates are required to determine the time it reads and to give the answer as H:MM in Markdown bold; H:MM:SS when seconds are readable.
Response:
**7:25**
